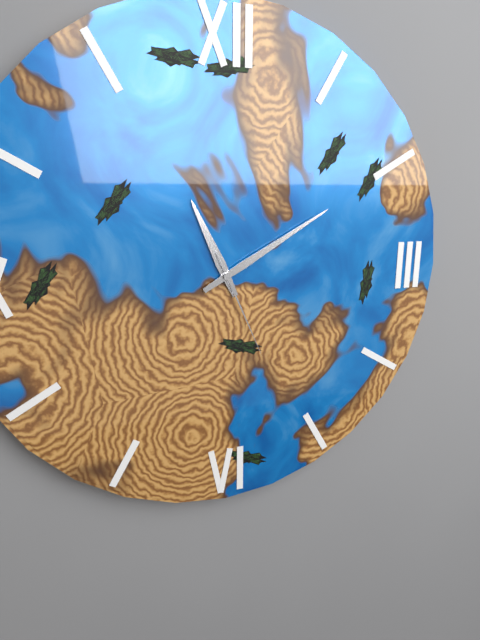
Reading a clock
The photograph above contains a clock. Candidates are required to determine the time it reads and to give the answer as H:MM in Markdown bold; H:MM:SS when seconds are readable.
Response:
**11:10:26**
